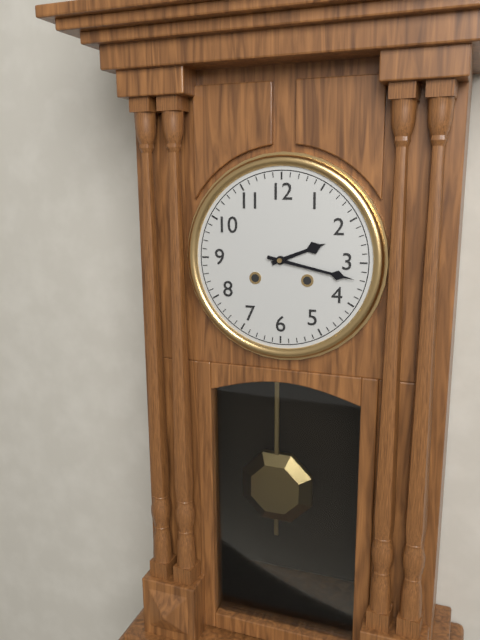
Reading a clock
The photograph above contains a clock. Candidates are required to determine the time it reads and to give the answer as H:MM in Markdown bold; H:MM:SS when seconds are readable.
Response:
**2:17**
